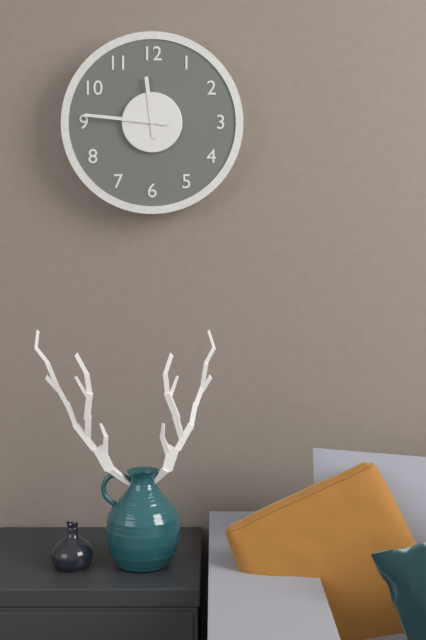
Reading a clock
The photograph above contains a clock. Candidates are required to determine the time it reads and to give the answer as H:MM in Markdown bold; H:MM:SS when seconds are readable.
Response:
**11:46**
